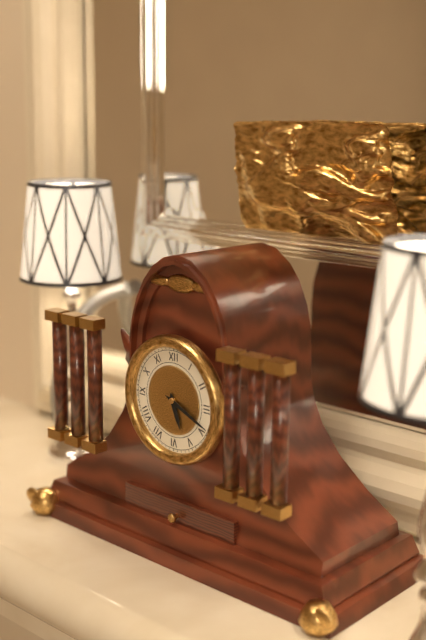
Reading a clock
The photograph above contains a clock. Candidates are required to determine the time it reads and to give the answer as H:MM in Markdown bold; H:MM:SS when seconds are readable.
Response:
**5:19**
